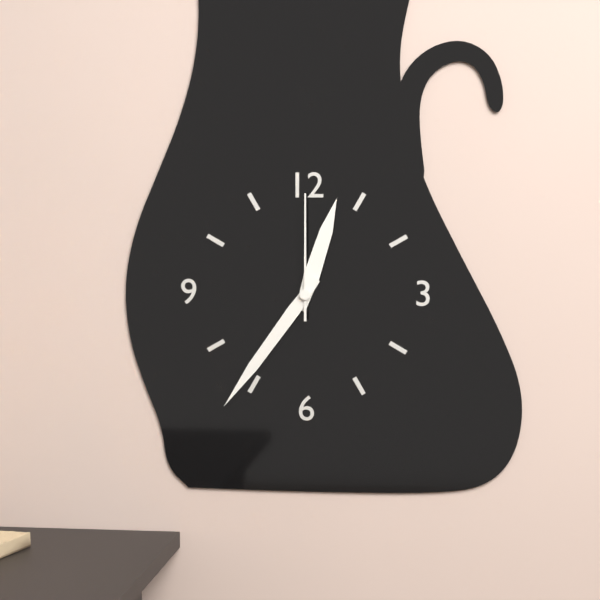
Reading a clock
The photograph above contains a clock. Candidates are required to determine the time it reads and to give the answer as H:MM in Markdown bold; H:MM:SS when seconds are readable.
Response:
**12:36:00**
